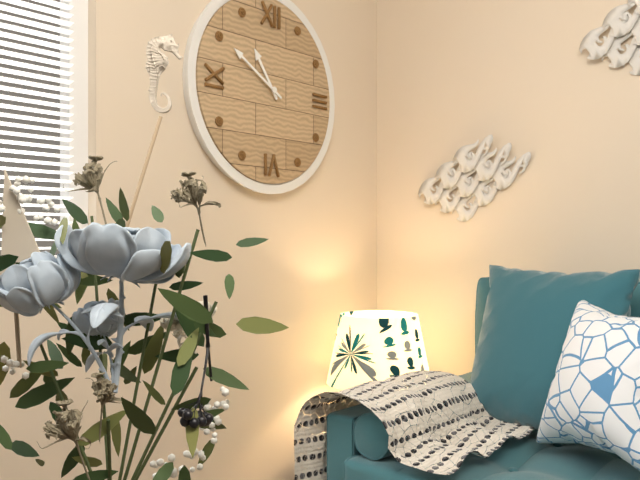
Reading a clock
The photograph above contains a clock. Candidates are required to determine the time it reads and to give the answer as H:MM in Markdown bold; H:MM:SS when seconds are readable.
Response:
**10:50**
